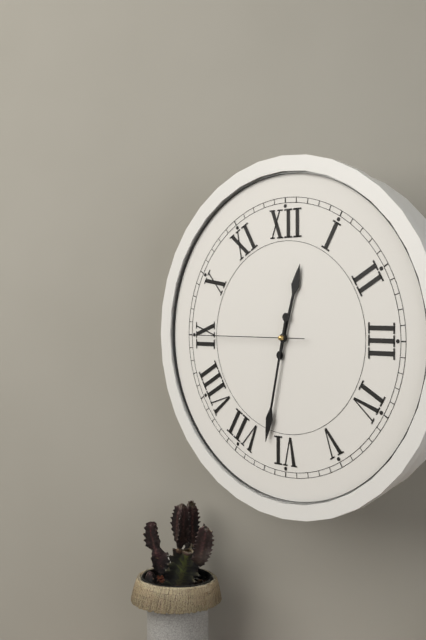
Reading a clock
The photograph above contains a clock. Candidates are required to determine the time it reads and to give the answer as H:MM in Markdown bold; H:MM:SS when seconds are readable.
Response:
**12:32:45**
